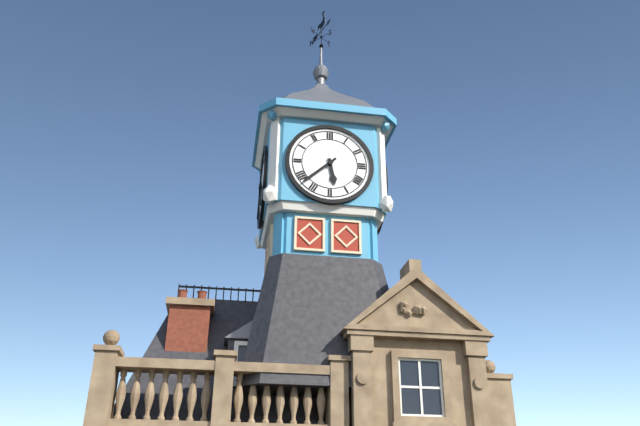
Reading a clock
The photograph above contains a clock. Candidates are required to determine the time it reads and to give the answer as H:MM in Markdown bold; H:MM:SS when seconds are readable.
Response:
**5:38**
